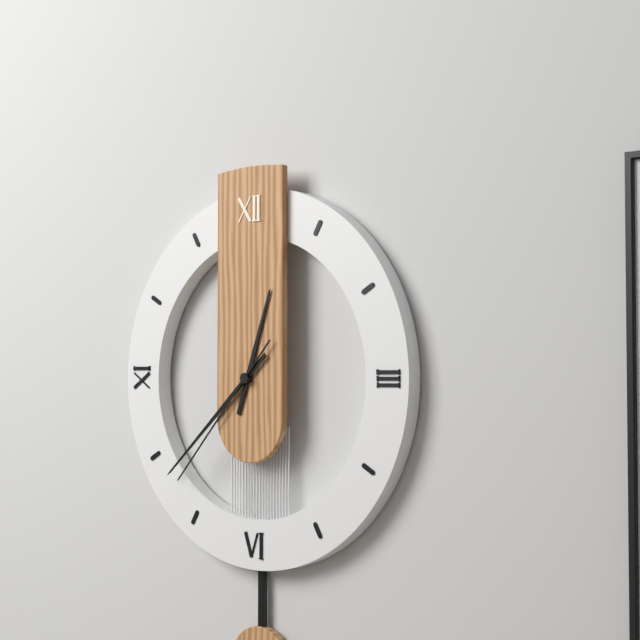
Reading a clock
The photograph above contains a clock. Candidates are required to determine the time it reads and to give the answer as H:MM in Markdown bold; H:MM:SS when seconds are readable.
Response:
**12:38:37**
